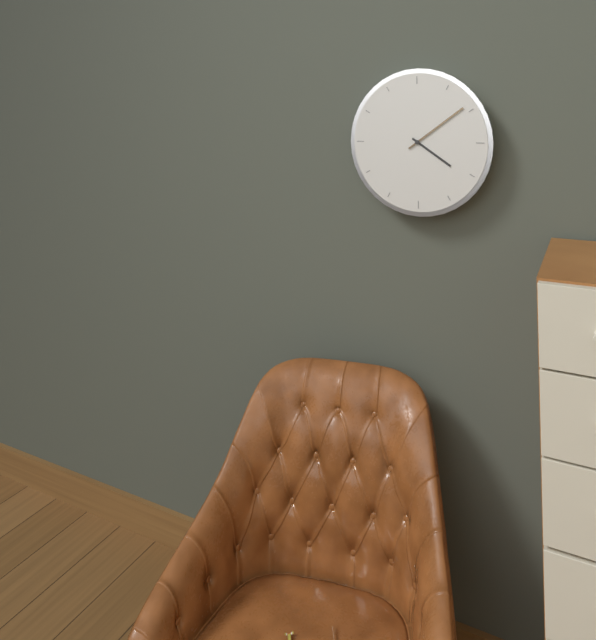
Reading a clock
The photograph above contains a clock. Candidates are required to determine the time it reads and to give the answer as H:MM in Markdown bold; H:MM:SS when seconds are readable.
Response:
**4:09**
